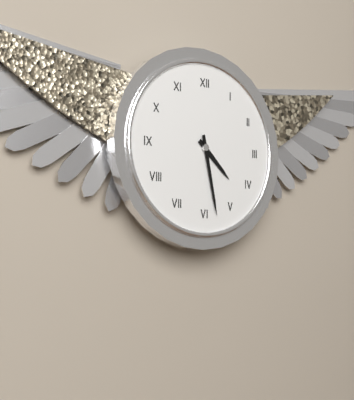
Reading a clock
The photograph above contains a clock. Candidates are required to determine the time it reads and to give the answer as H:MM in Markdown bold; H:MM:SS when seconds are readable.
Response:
**4:28**
